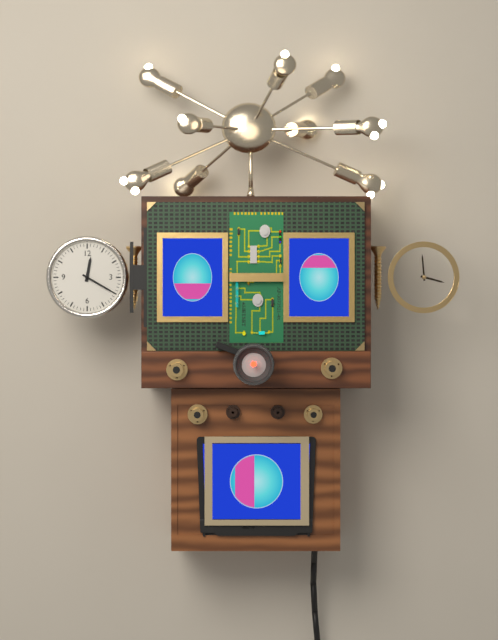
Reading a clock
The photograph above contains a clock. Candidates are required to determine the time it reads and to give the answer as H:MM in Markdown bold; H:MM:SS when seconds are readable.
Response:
**12:20**
